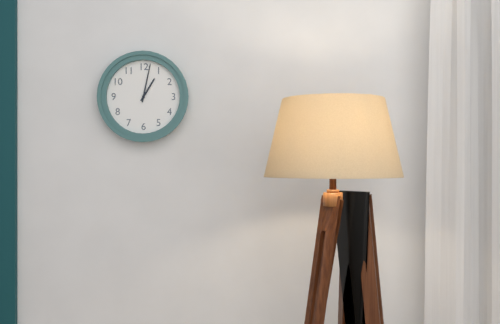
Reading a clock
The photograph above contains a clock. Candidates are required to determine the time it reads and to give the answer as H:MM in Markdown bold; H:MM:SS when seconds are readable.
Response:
**1:02**
